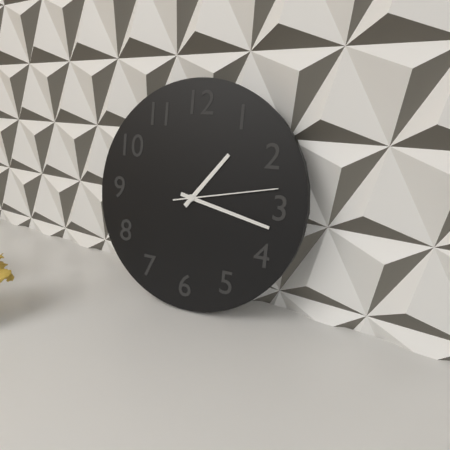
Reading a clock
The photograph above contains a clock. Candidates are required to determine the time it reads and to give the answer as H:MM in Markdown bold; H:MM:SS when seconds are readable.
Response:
**1:17:13**
